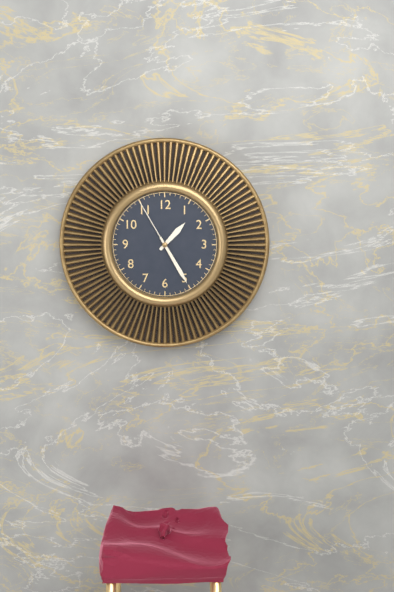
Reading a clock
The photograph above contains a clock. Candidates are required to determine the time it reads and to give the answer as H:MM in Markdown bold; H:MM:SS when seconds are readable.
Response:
**1:25:55**
